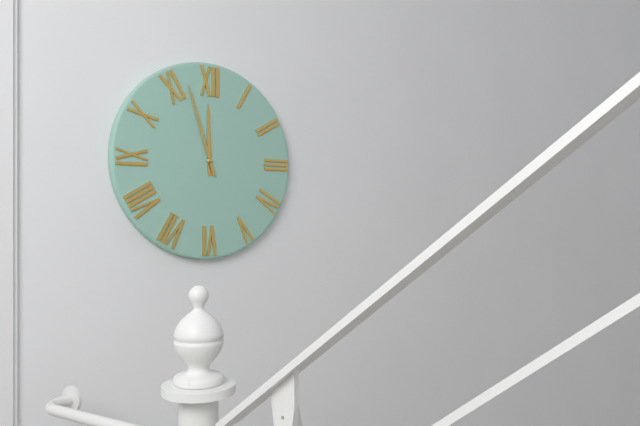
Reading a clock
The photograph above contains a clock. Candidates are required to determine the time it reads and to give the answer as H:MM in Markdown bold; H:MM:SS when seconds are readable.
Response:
**11:57**
